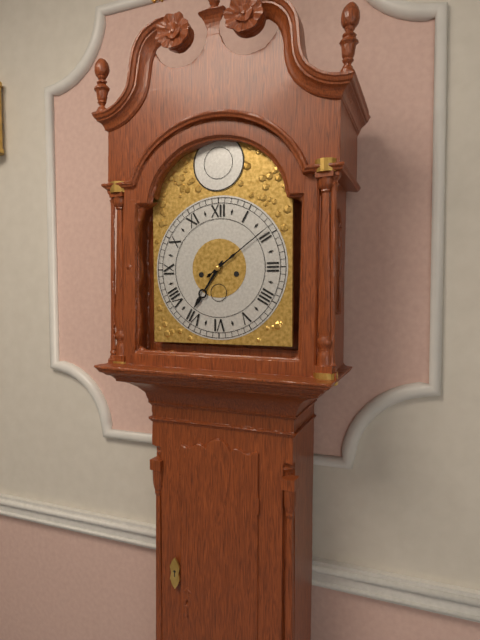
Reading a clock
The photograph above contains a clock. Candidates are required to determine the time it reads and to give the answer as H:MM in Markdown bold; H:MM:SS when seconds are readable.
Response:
**7:09**
